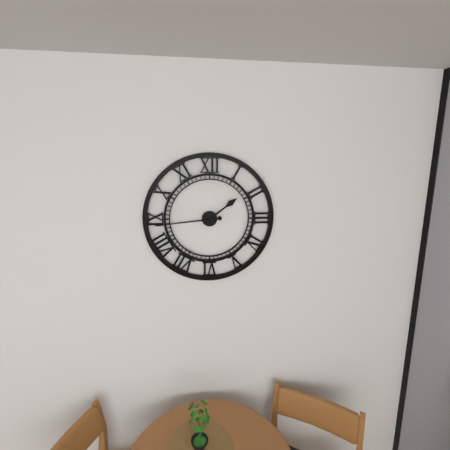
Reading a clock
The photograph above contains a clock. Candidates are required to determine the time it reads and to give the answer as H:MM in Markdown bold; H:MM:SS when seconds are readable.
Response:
**1:44**
